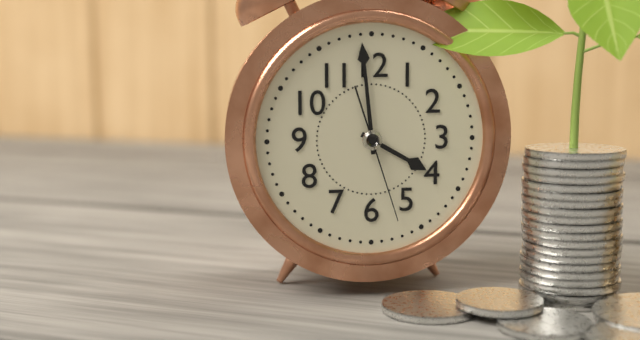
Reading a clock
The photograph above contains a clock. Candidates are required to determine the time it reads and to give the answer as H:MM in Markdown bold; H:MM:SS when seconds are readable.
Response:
**3:59:27**
